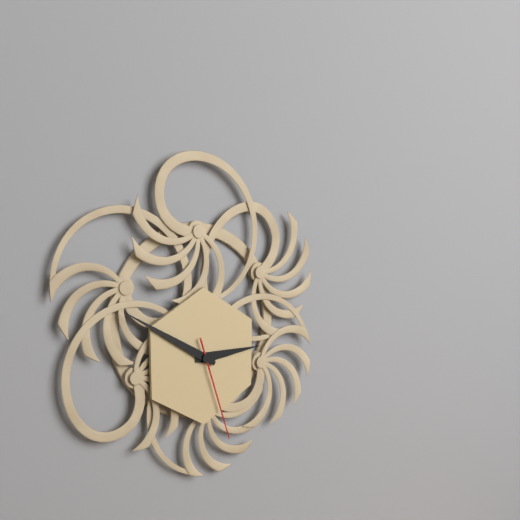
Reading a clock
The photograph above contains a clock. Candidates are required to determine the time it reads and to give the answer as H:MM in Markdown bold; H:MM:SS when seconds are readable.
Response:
**2:50:27**
